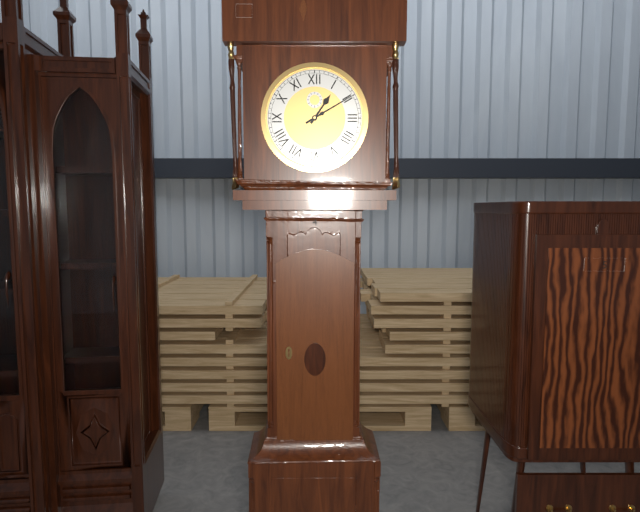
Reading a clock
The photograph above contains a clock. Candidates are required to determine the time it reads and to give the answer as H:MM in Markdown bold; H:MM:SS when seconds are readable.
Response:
**1:10**
